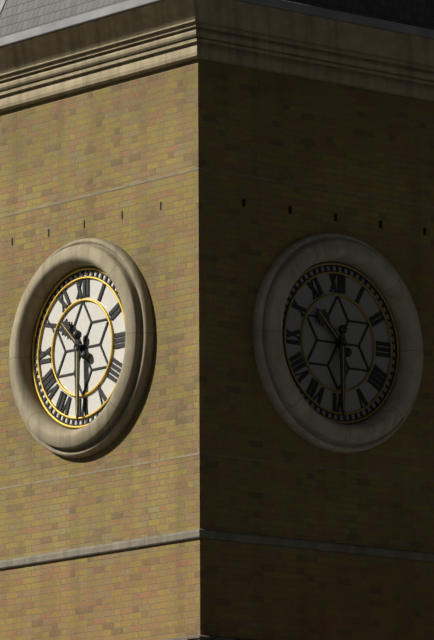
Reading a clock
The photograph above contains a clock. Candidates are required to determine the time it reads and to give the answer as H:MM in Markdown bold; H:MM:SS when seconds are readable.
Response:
**10:30**
